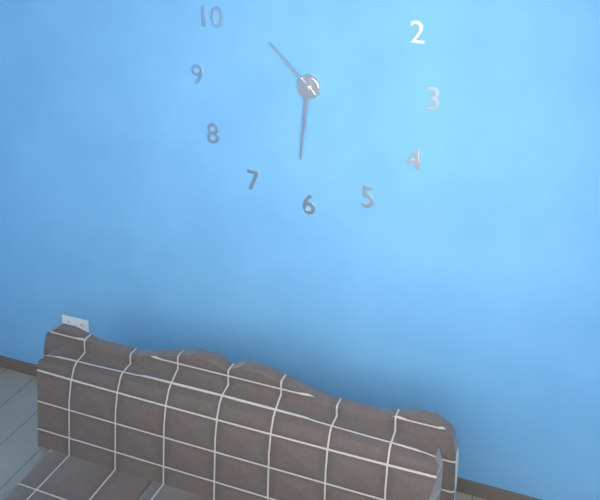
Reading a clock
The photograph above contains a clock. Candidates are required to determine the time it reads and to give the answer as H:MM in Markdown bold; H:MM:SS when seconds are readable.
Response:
**10:31**
